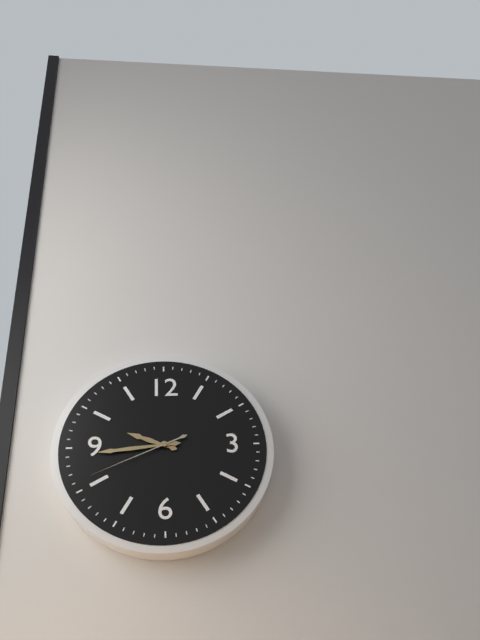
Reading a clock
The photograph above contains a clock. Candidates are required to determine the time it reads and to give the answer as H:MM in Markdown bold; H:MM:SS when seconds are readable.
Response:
**9:44:41**
